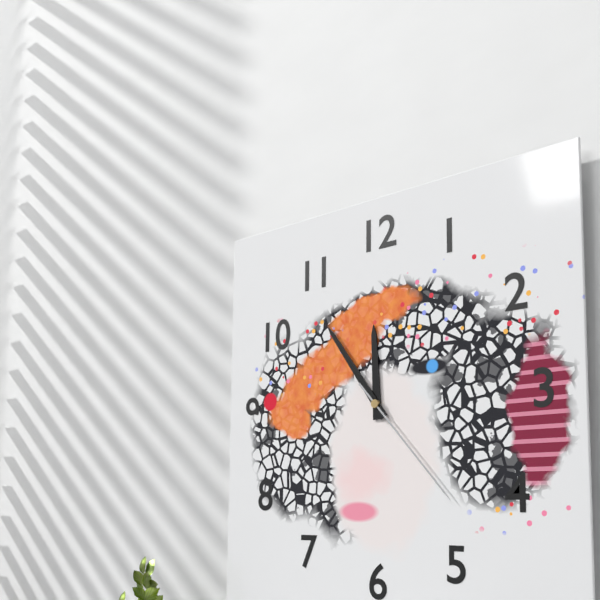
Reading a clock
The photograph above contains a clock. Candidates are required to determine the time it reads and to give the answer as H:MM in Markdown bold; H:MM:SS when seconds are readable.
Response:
**11:54:23**
